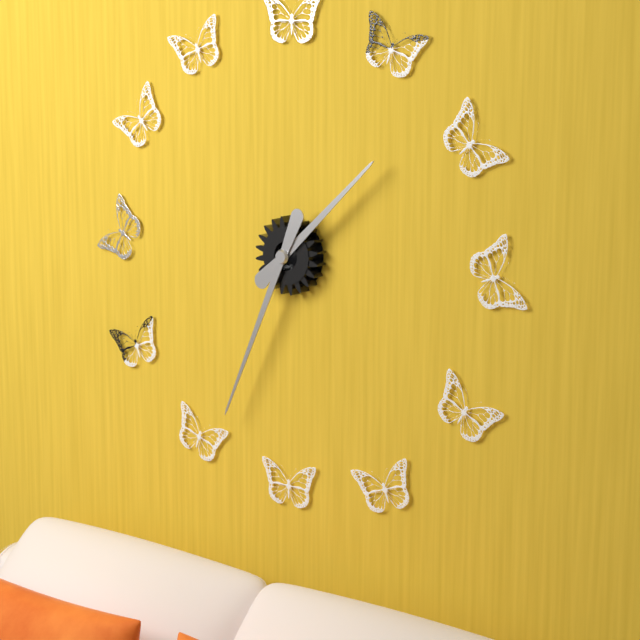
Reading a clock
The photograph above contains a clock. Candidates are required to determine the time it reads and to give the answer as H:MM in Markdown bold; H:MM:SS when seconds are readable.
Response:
**1:34**
